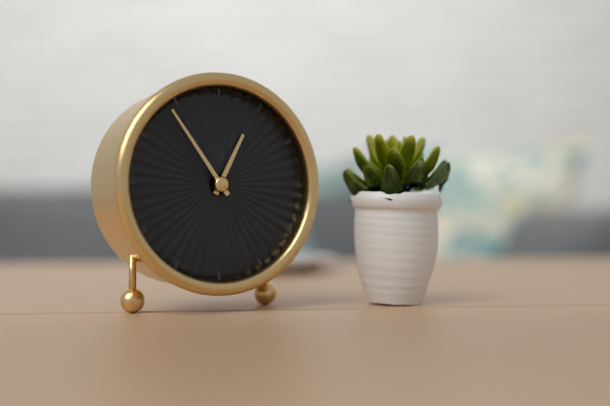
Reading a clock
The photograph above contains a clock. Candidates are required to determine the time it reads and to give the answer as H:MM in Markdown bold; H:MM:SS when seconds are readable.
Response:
**12:54**
